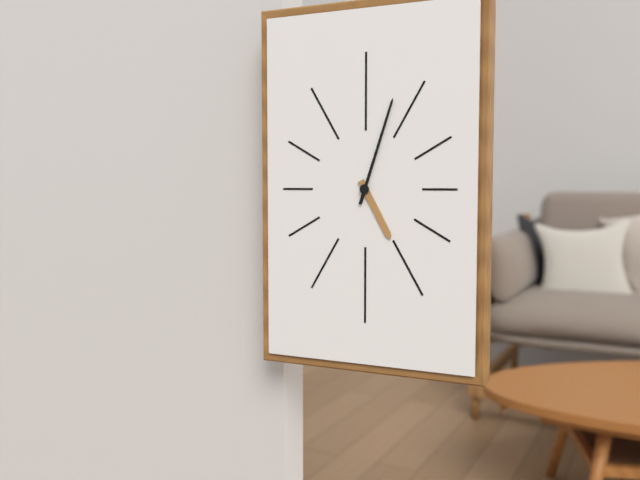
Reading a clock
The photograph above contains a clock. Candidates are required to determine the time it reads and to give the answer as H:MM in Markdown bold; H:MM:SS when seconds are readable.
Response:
**5:03**
